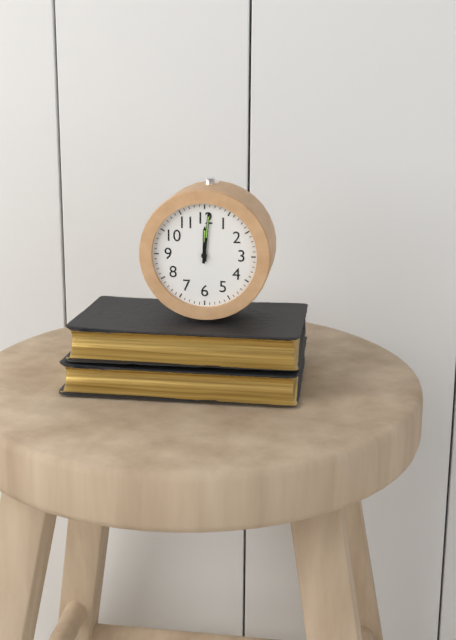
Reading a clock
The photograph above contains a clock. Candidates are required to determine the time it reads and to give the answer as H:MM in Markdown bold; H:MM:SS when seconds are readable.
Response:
**12:01**
